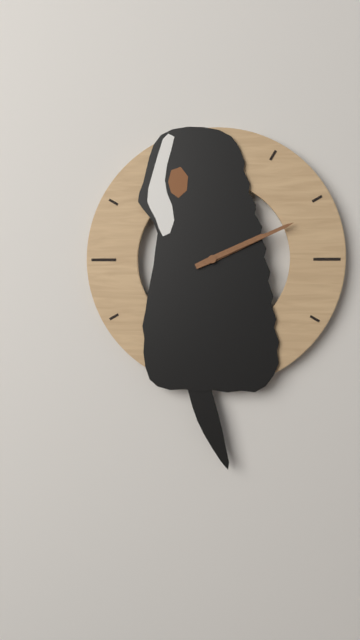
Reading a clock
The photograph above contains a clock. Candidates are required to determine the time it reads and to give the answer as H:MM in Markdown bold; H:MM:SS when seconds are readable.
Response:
**2:11**
